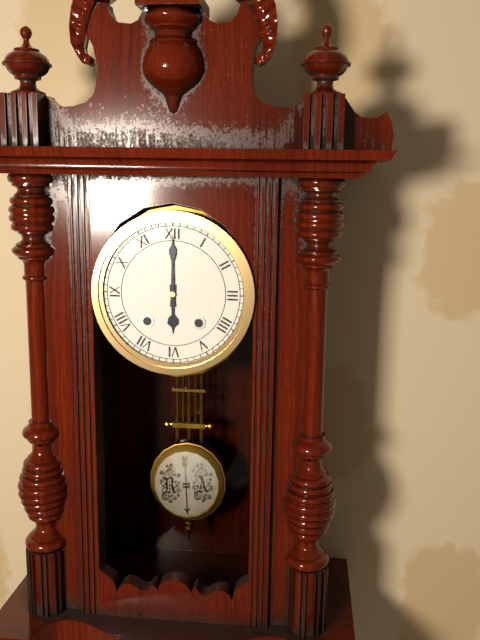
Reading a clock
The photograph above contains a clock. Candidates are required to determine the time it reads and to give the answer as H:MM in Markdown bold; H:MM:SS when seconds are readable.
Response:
**6:00**
